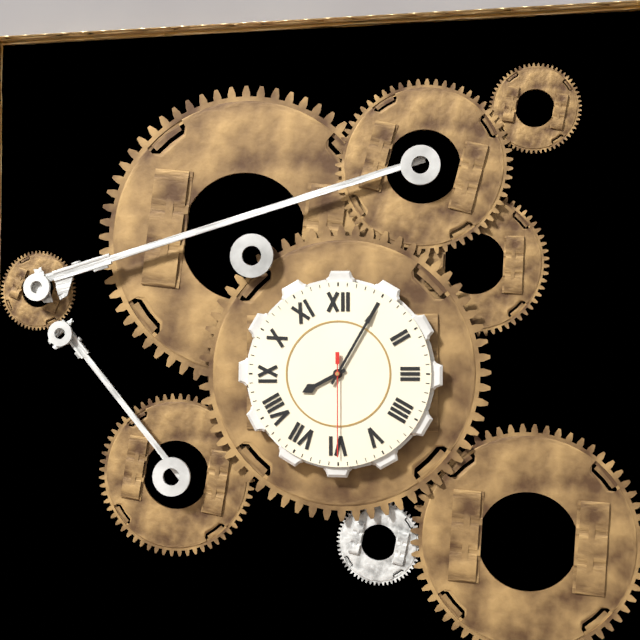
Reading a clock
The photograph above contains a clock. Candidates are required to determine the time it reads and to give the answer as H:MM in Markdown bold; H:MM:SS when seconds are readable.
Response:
**8:05:30**
